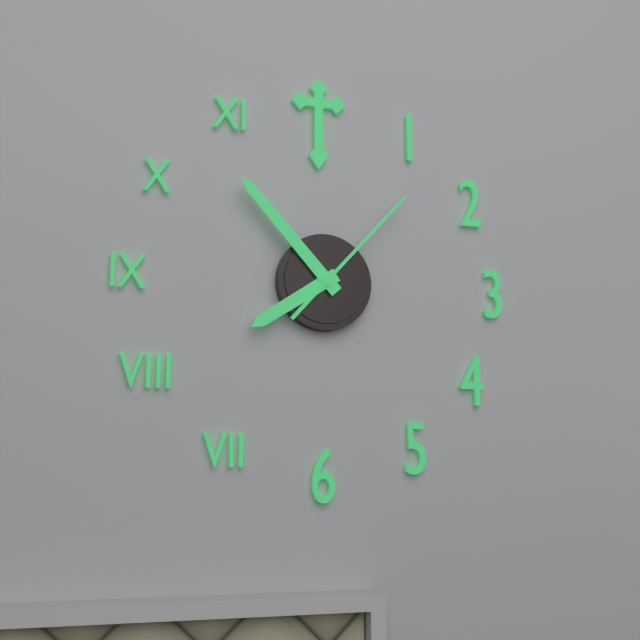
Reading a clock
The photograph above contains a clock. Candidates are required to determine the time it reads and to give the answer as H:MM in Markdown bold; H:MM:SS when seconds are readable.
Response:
**7:53:07**
